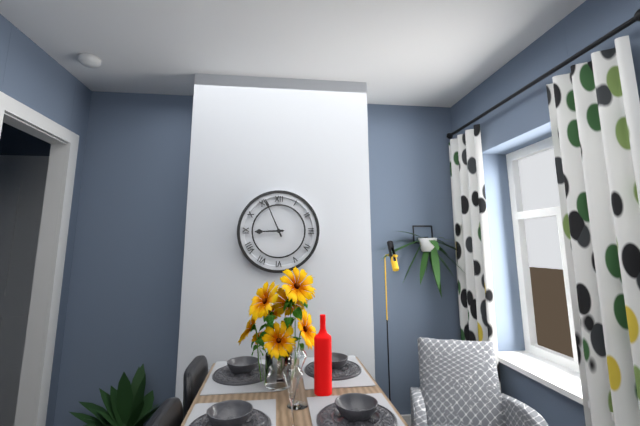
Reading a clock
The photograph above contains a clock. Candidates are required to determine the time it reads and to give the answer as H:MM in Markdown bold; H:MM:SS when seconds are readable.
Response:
**8:56**
